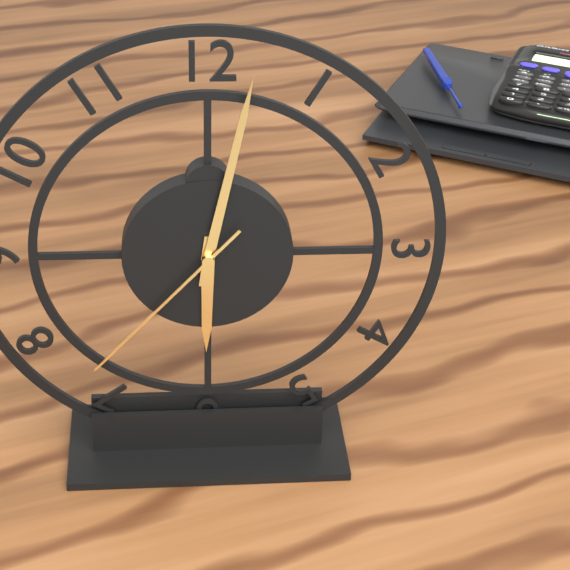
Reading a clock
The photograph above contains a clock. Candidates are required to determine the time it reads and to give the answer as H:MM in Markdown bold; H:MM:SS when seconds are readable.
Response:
**6:02:37**
